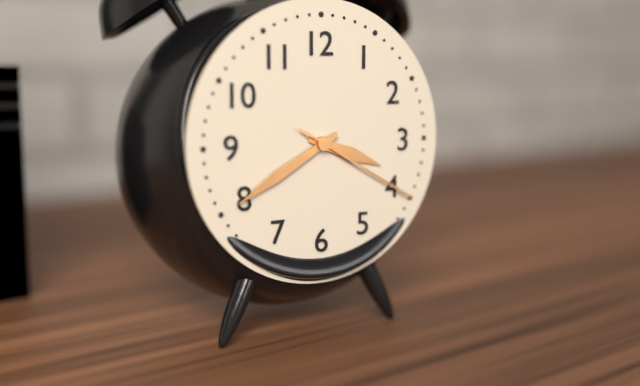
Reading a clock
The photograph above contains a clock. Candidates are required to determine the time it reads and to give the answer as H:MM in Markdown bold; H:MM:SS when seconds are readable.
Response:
**3:40:20**
